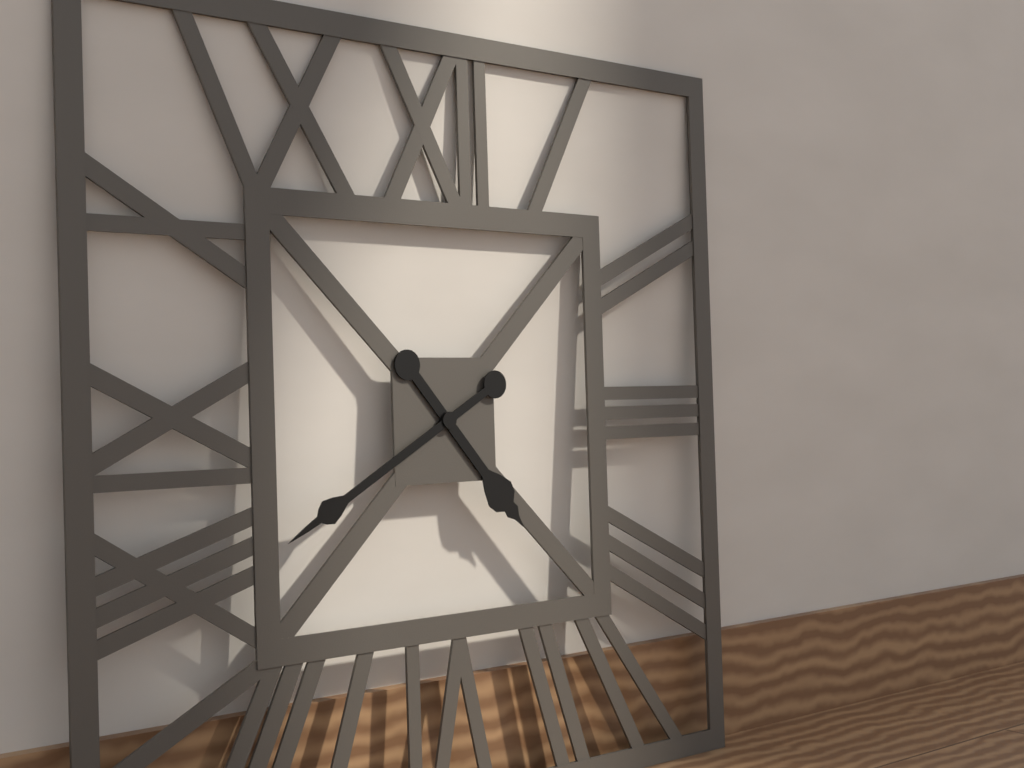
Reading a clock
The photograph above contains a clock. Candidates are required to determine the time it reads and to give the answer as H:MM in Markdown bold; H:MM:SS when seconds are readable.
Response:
**4:40**
